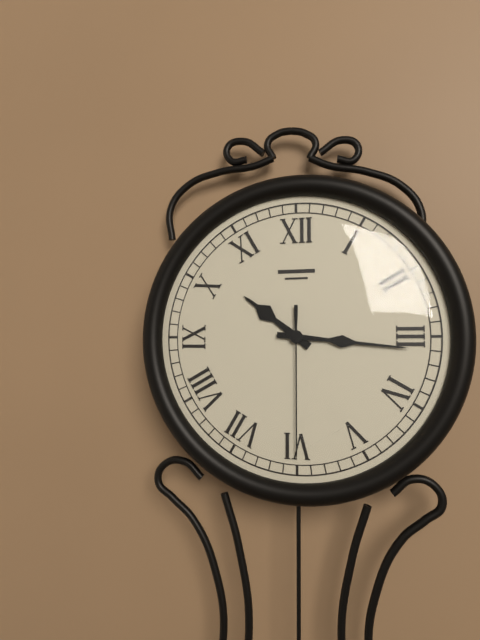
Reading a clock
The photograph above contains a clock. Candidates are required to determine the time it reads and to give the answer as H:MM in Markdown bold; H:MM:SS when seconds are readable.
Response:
**10:16:30**
